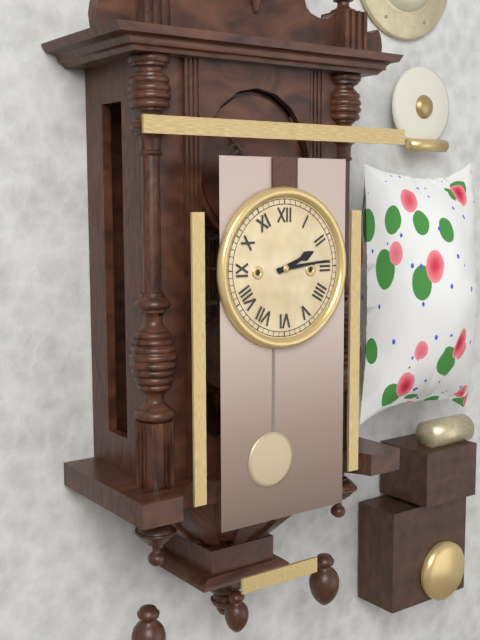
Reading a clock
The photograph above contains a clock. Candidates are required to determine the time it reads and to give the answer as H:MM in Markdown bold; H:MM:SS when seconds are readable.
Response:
**2:14**
